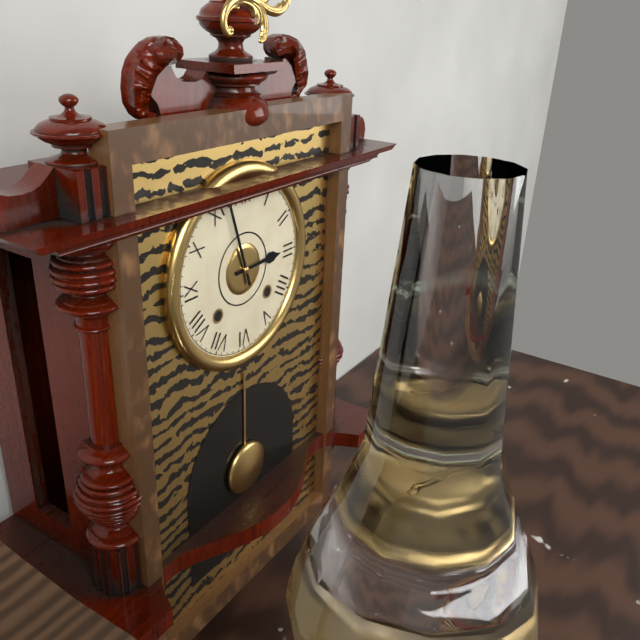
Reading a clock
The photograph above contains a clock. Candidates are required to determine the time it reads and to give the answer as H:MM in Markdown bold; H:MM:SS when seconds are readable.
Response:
**2:57**
